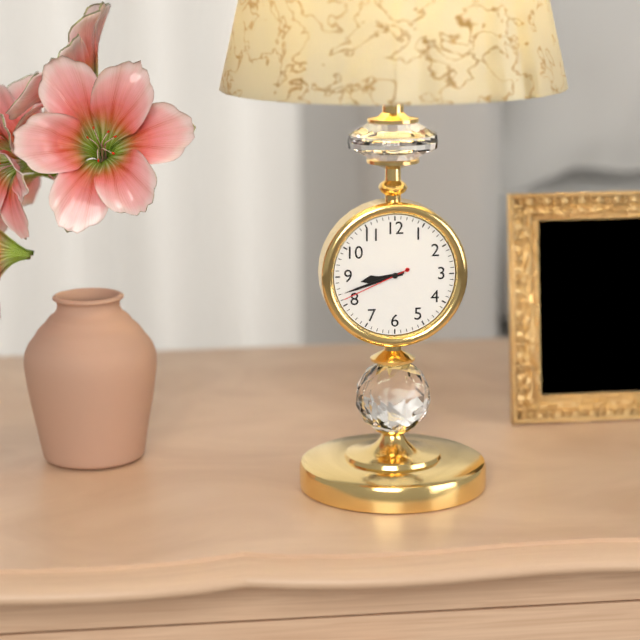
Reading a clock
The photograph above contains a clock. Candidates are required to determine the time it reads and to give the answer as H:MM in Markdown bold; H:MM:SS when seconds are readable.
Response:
**8:42:41**
